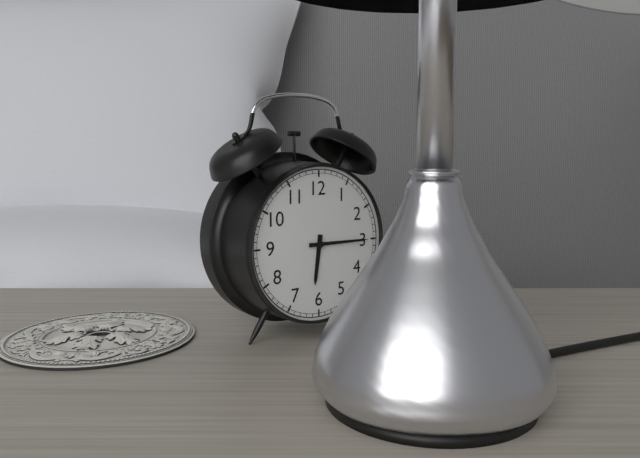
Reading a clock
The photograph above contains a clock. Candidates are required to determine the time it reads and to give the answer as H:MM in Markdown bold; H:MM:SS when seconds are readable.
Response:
**6:15**
